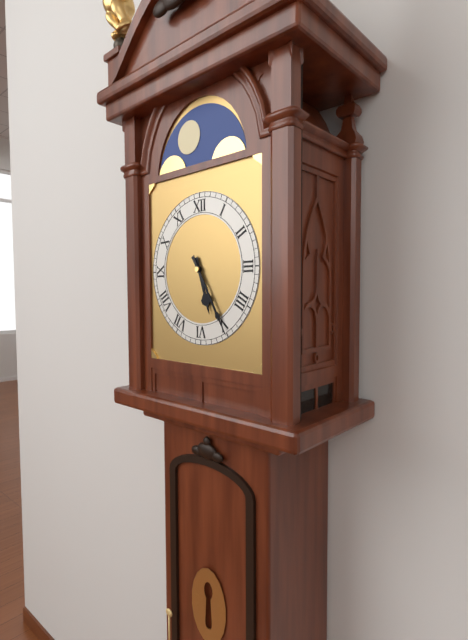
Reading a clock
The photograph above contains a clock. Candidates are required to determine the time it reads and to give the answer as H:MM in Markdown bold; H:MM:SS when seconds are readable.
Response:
**5:25**
